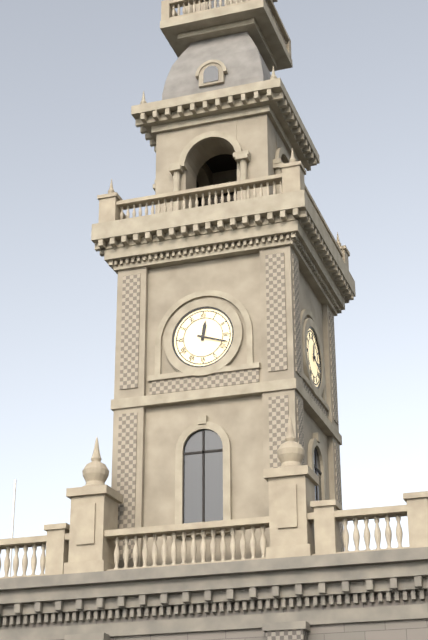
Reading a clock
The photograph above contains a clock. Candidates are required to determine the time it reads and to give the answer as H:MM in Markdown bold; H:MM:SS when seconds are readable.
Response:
**12:18**
